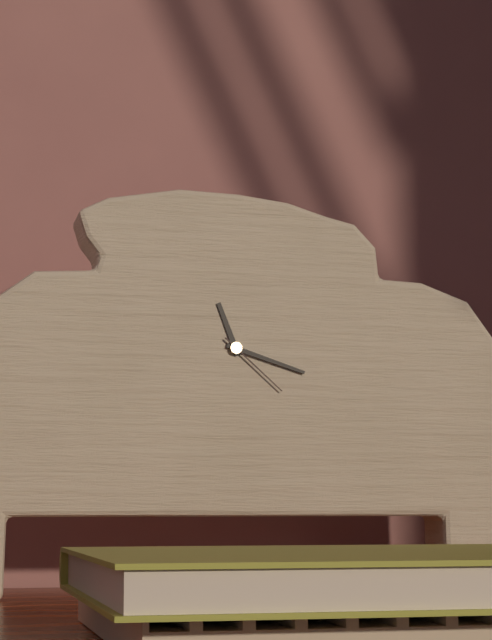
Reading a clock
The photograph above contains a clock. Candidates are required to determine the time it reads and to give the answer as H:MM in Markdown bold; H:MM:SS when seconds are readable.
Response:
**11:18:22**
